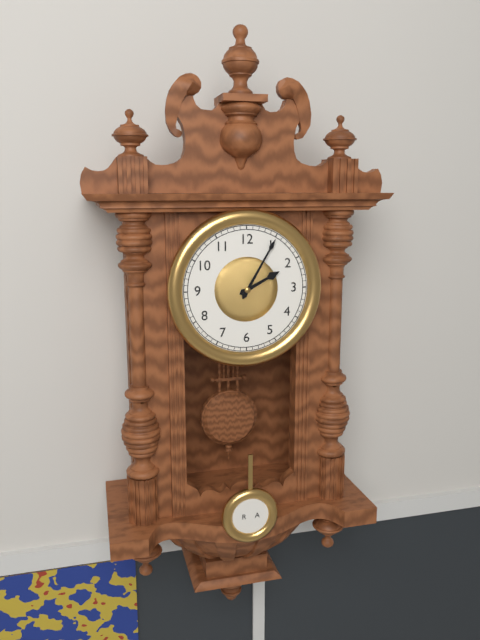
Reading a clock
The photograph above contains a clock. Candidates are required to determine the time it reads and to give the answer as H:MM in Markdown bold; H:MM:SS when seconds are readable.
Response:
**2:05**
